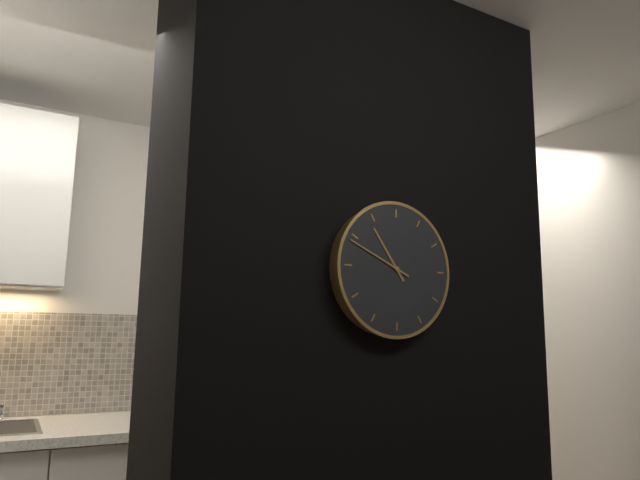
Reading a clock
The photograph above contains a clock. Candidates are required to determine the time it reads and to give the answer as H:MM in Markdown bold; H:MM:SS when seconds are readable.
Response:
**10:49**
